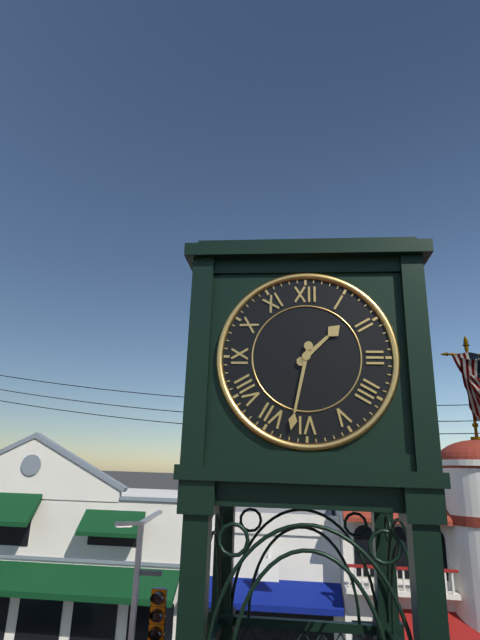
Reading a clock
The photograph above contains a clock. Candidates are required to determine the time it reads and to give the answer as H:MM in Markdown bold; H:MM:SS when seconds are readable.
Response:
**1:32**
